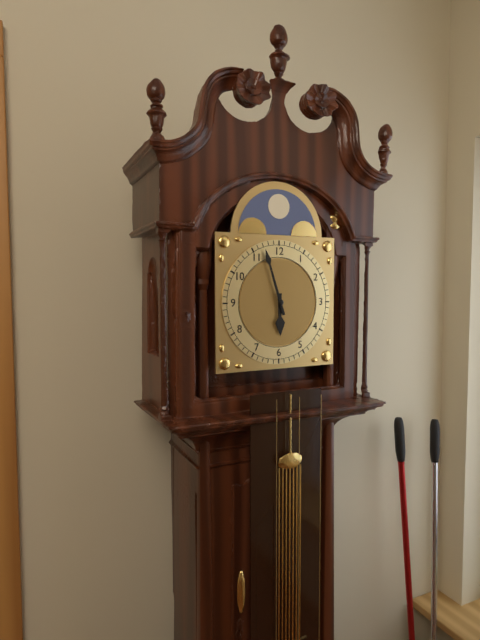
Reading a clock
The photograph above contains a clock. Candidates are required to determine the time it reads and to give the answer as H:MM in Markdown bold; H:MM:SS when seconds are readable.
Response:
**5:57**
